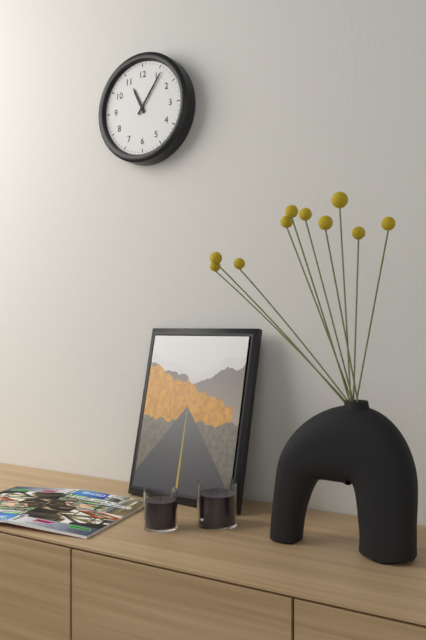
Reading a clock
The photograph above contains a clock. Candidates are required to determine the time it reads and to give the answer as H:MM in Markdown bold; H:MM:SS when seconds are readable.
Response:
**11:06**
